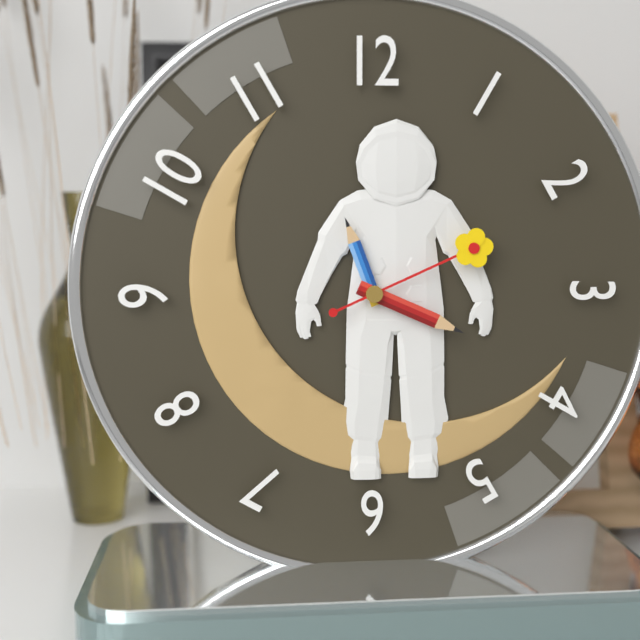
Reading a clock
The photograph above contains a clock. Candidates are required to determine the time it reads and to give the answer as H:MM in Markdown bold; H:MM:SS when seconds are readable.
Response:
**11:19:11**
